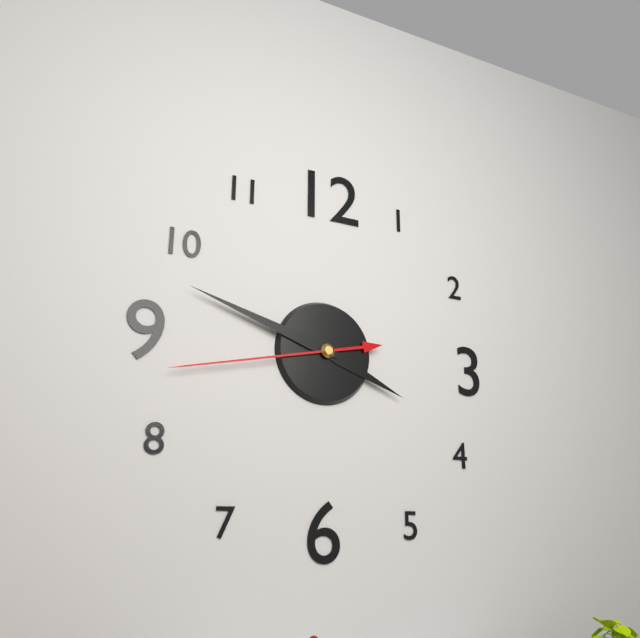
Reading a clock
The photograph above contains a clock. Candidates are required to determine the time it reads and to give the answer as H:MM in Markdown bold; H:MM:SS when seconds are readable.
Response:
**3:48:43**
